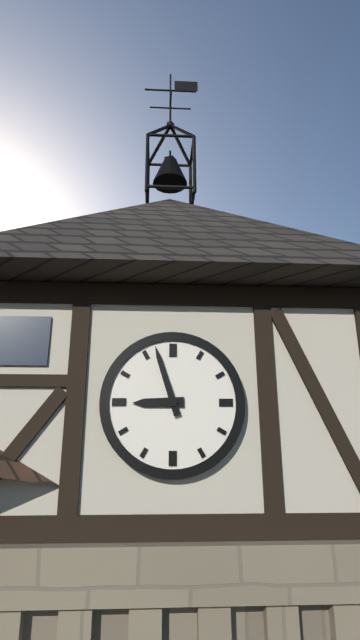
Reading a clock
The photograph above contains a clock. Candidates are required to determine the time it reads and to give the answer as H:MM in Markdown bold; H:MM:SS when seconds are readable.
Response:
**8:57**
